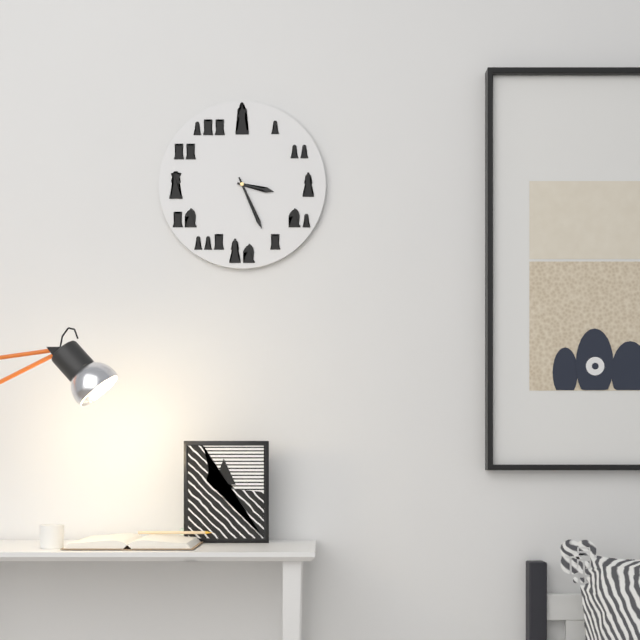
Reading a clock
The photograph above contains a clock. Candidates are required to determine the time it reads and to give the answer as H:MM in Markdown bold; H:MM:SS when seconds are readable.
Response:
**3:26**
